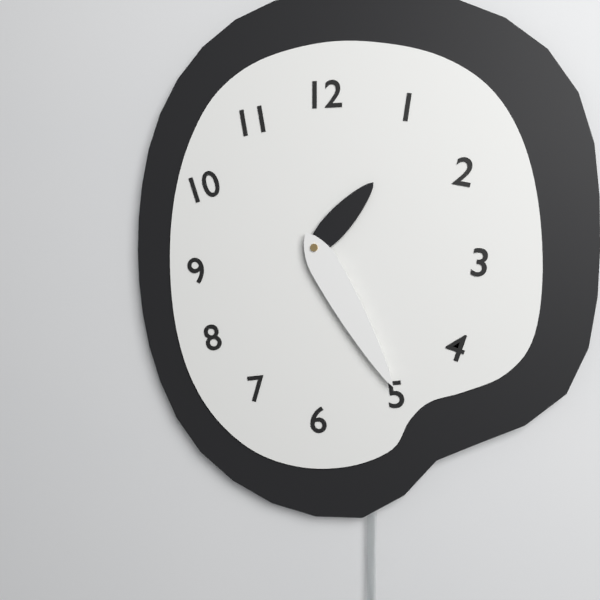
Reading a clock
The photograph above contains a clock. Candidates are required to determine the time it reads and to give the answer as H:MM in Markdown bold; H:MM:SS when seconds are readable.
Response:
**1:25**
